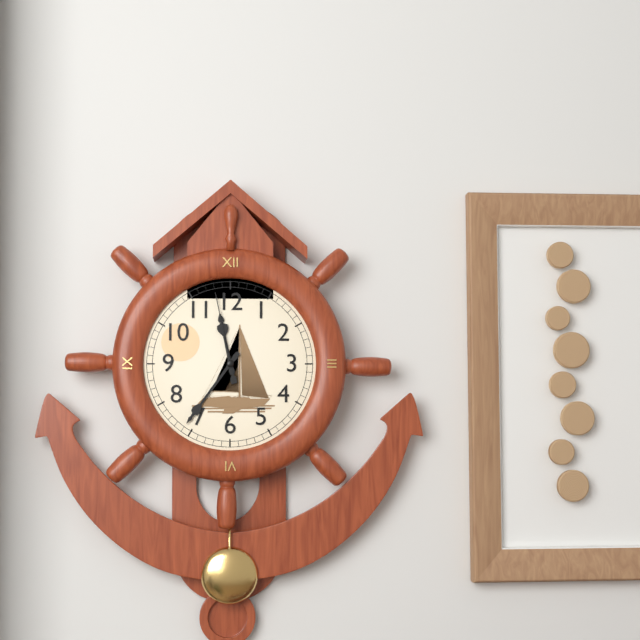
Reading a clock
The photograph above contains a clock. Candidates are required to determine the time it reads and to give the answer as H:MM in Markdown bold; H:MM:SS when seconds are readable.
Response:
**11:36:58**
